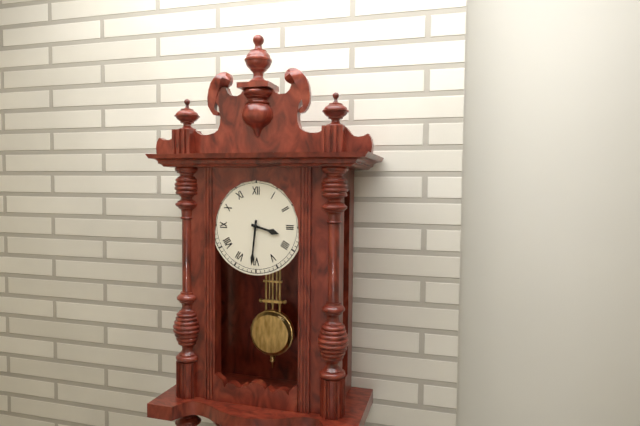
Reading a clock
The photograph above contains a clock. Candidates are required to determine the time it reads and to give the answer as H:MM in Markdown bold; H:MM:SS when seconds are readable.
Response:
**3:31**
